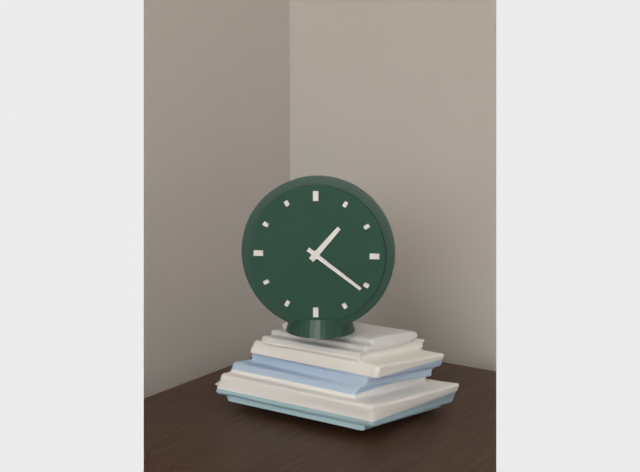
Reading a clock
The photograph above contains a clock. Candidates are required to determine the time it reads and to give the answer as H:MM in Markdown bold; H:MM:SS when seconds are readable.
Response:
**1:21**
